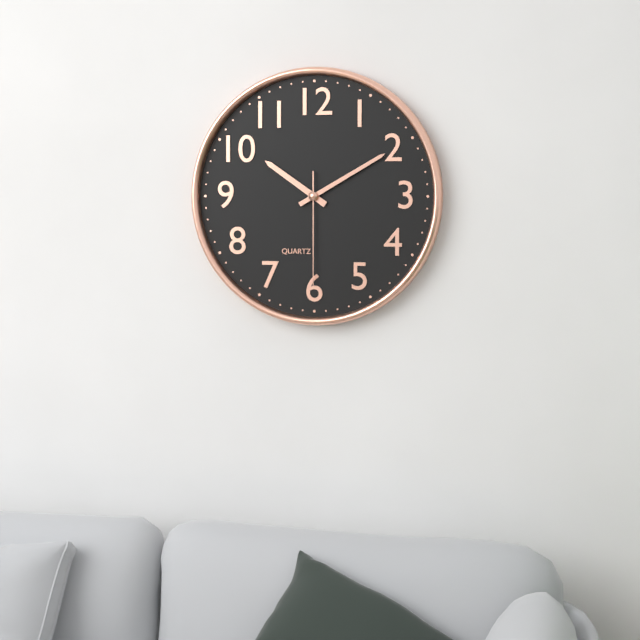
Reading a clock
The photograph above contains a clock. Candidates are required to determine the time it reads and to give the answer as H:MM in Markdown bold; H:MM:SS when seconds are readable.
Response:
**10:10:30**
